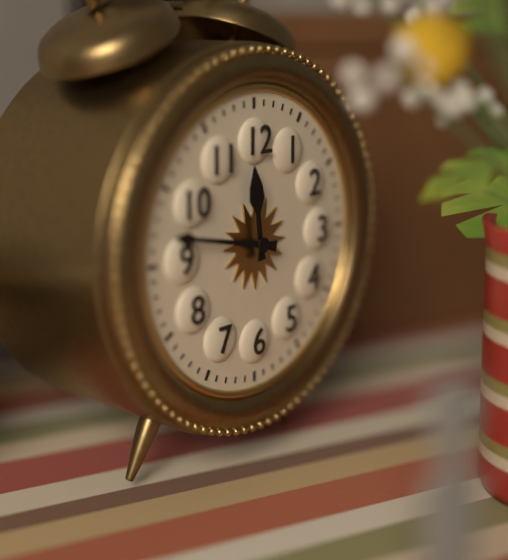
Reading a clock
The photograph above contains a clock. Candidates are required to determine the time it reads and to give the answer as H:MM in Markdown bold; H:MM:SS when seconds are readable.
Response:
**11:47**
